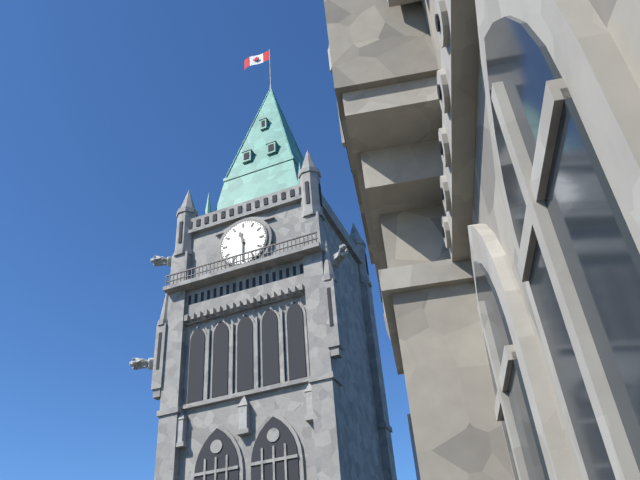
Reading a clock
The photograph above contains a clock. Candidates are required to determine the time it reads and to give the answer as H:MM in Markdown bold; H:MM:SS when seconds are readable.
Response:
**11:30**
